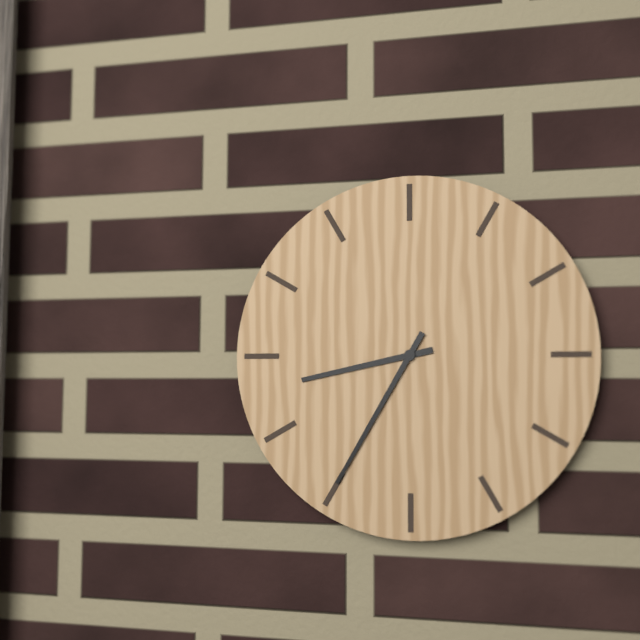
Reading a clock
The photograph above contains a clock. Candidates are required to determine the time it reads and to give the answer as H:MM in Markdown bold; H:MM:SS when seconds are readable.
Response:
**8:35**
